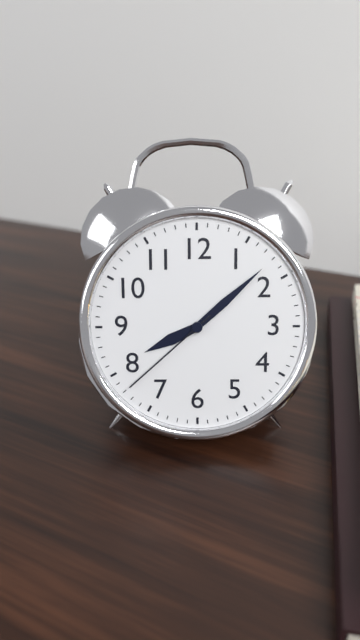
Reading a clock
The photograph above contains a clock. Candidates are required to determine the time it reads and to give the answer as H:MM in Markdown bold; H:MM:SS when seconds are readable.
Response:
**8:08:38**
